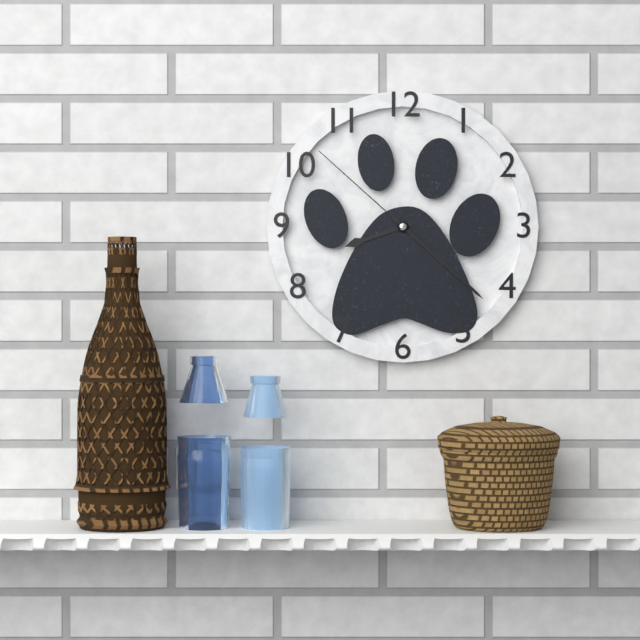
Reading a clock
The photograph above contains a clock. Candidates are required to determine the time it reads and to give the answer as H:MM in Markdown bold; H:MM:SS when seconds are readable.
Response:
**8:22:52**
